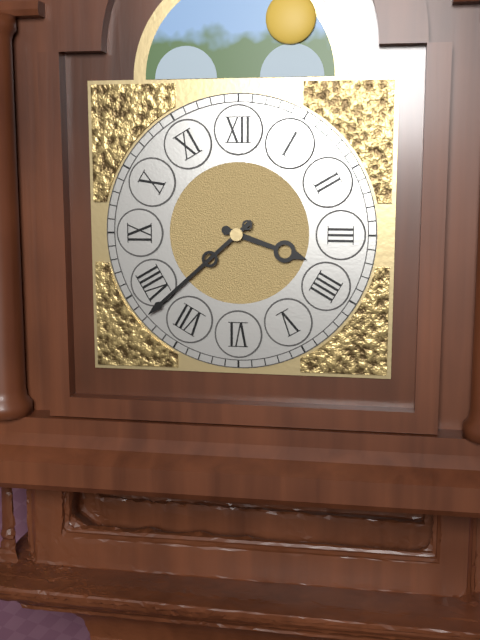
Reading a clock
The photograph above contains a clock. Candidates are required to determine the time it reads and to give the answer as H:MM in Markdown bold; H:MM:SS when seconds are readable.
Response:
**3:38**
